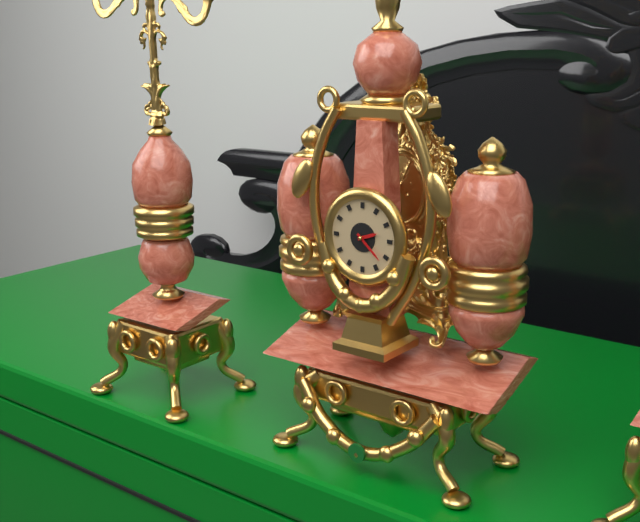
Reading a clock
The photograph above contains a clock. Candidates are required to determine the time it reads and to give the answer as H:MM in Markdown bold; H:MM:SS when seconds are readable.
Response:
**2:22**
